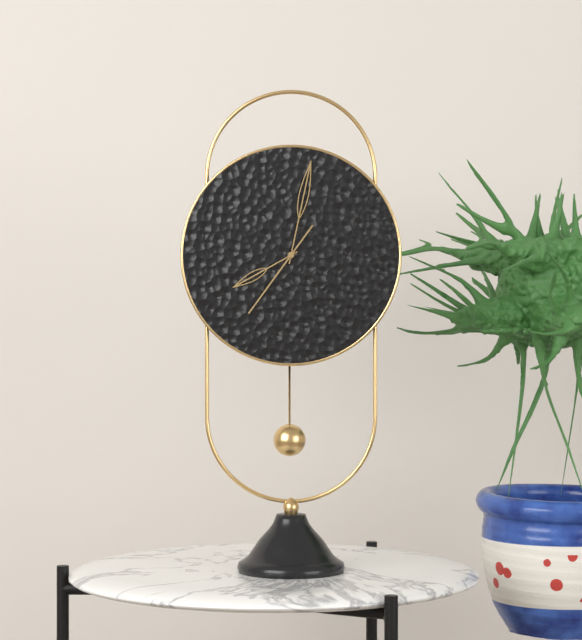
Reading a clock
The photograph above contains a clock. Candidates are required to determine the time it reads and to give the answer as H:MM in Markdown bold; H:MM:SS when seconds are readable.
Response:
**8:02:36**
